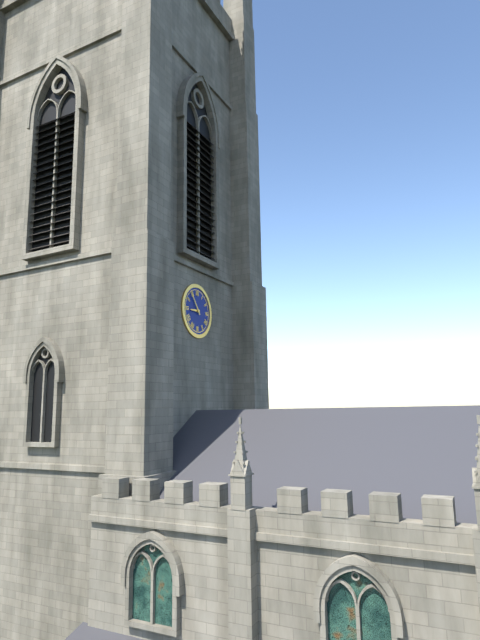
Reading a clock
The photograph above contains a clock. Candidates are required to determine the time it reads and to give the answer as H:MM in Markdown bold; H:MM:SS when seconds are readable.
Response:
**8:54**
